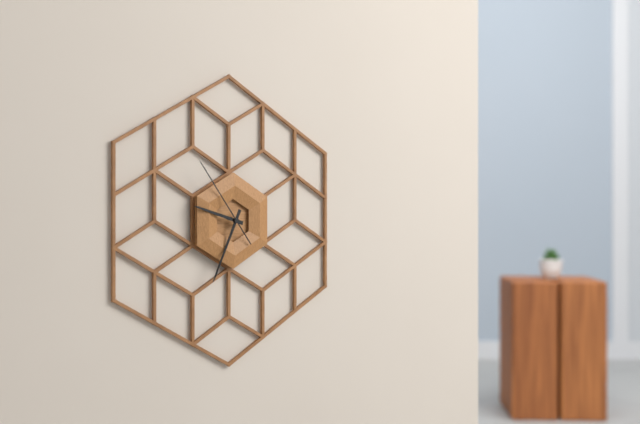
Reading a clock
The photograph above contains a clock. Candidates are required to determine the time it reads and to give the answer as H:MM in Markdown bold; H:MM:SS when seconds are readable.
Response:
**9:34:54**
